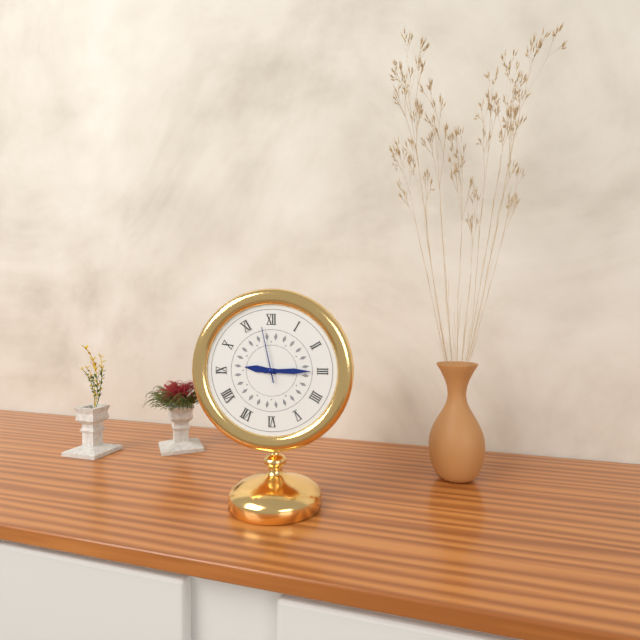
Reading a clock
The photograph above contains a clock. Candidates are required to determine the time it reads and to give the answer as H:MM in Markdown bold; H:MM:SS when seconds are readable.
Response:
**9:15:58**
